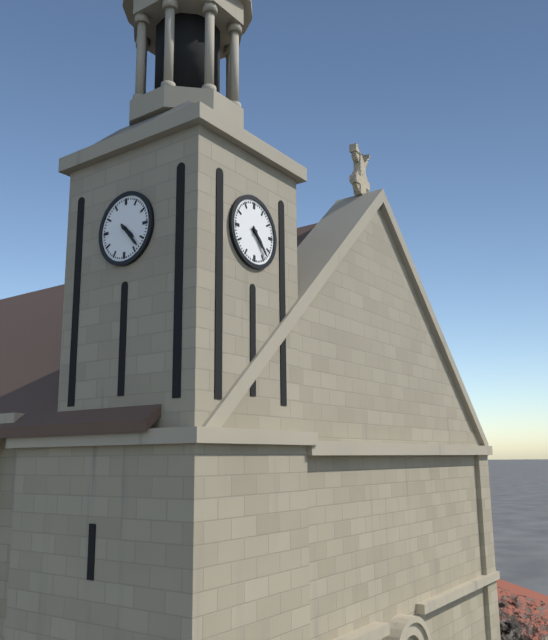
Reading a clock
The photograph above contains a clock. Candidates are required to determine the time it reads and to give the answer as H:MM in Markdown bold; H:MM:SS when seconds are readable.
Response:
**4:23**
